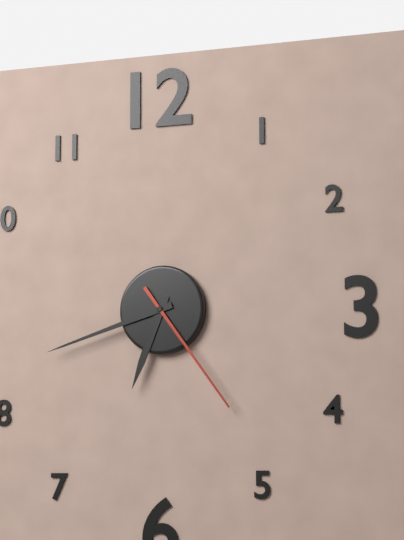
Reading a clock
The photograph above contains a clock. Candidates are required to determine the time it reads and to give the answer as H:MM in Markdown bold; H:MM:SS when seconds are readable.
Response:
**6:42:24**
